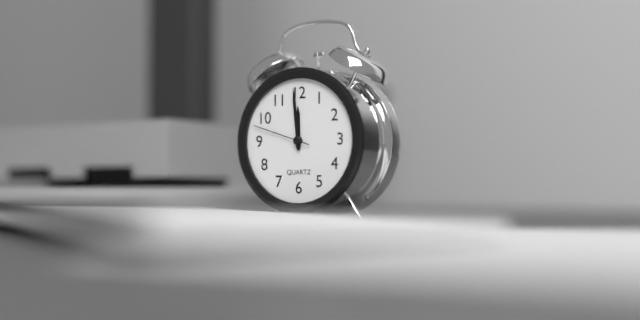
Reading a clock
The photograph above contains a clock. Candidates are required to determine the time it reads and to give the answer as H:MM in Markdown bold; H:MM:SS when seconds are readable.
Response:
**11:59:48**
